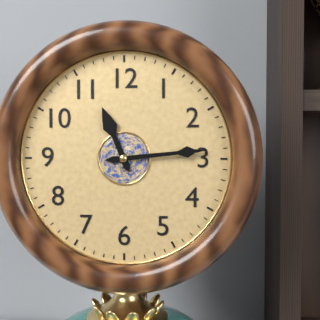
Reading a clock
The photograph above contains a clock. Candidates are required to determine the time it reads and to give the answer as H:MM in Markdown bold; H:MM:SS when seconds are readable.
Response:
**11:14**
